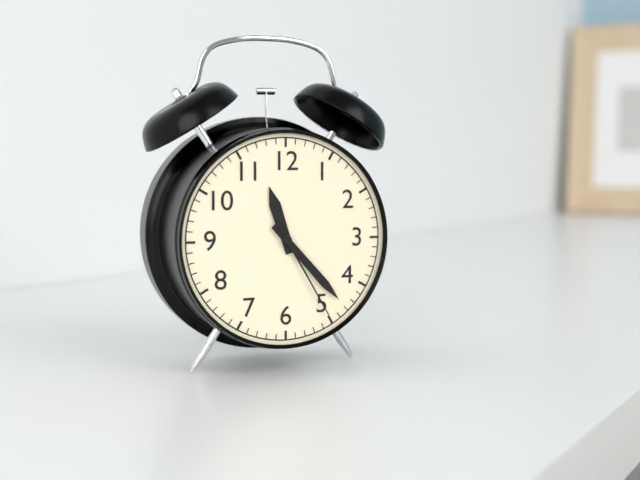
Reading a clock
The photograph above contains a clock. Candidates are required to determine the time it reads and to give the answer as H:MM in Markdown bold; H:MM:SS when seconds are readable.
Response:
**11:23:25**
